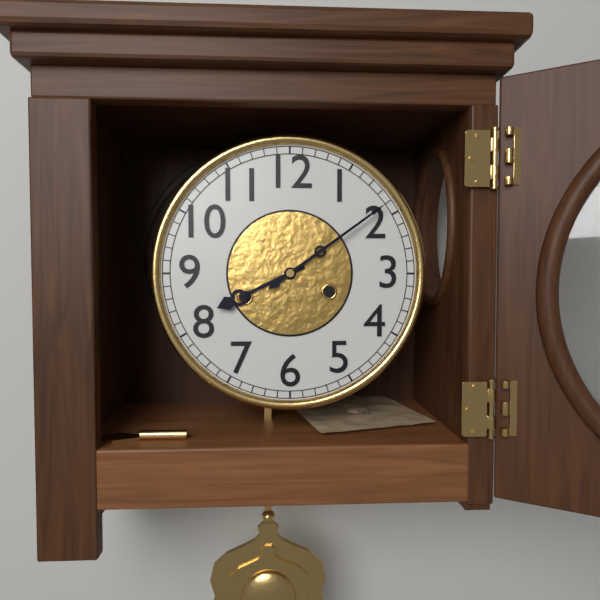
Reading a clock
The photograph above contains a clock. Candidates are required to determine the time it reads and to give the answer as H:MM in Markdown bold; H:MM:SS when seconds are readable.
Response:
**8:09**
